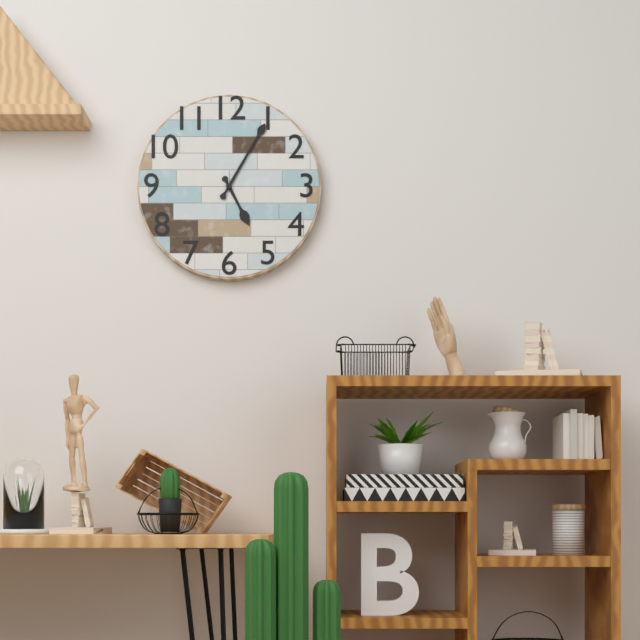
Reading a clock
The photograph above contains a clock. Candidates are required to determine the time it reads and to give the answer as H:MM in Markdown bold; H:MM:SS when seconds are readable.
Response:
**5:05**
